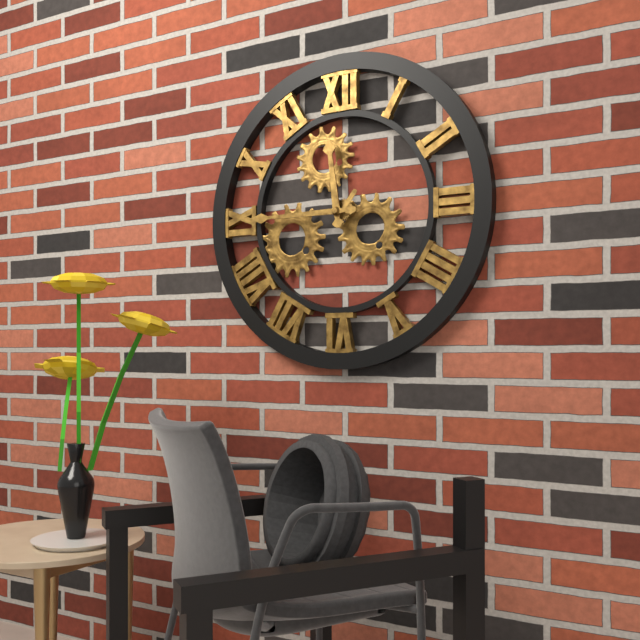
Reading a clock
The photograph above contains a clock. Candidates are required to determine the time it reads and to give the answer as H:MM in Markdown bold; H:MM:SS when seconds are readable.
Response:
**11:45**
